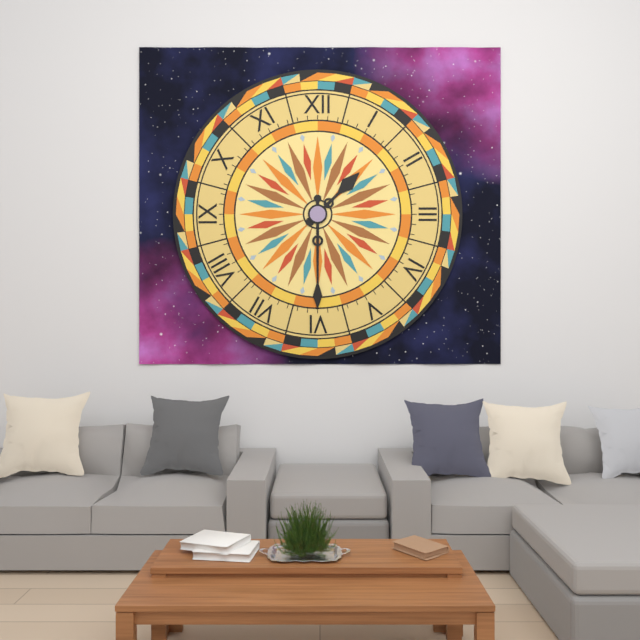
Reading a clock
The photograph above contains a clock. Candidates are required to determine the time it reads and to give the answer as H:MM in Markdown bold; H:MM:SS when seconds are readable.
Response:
**1:30**
